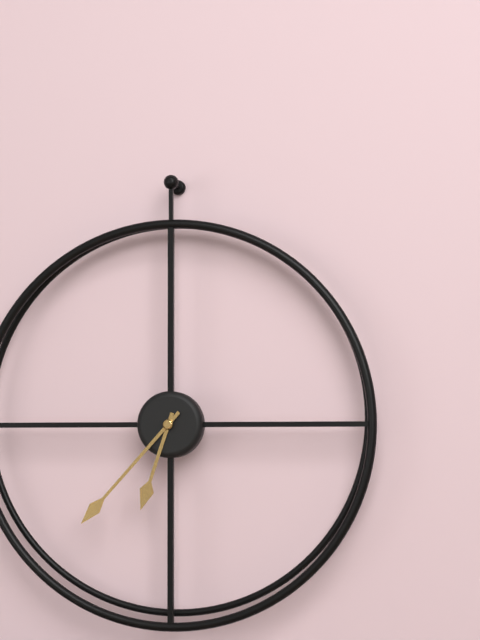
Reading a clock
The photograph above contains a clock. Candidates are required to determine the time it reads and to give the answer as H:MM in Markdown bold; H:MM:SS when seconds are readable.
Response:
**6:37**
